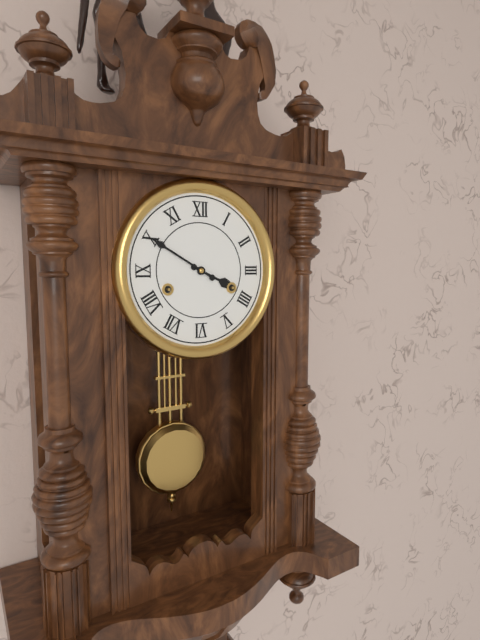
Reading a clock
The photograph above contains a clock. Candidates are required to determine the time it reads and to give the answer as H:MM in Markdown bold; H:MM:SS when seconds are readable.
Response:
**3:50**
